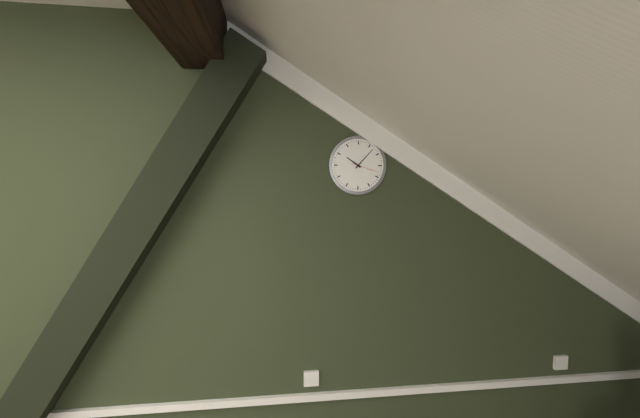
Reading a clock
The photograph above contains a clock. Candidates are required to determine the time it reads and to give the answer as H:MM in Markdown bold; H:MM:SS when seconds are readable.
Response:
**10:07**
